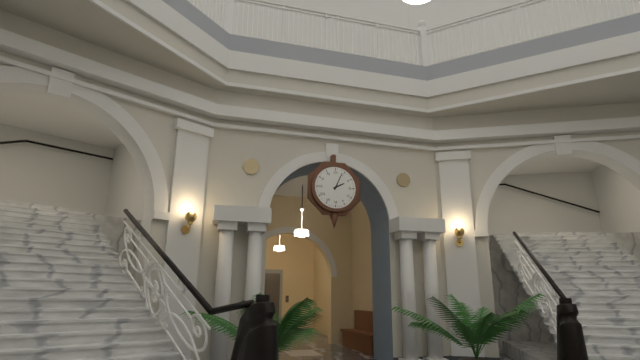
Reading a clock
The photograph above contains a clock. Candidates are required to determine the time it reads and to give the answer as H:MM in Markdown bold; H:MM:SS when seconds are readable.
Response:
**2:04**
